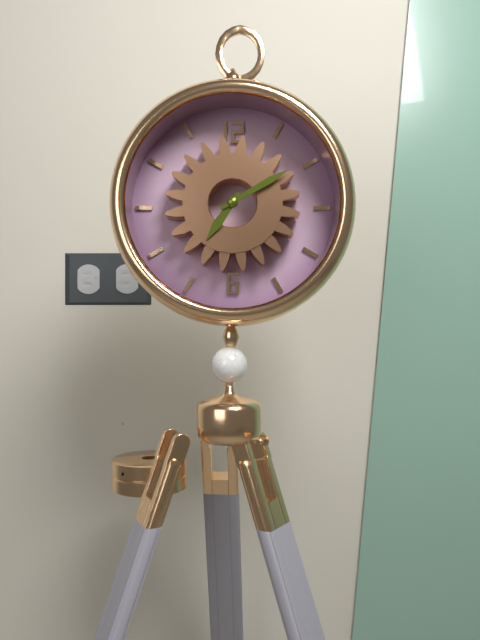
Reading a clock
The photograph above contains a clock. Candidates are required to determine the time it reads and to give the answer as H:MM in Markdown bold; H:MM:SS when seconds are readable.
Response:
**7:10**
